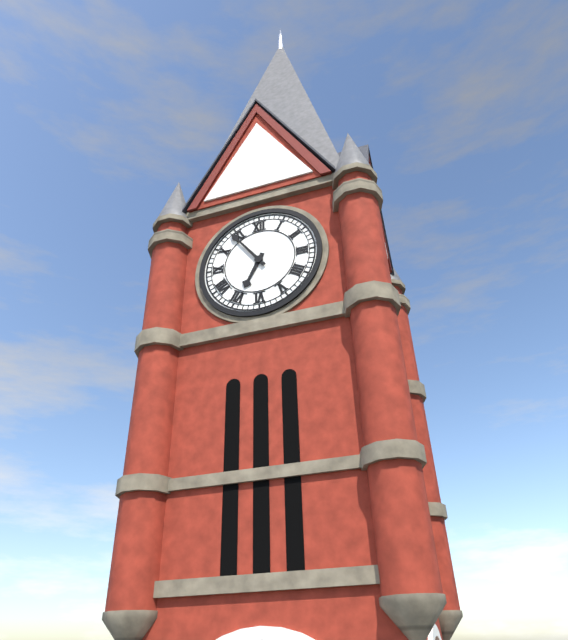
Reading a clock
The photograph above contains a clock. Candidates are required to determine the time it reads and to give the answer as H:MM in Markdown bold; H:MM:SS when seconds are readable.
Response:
**6:54**
